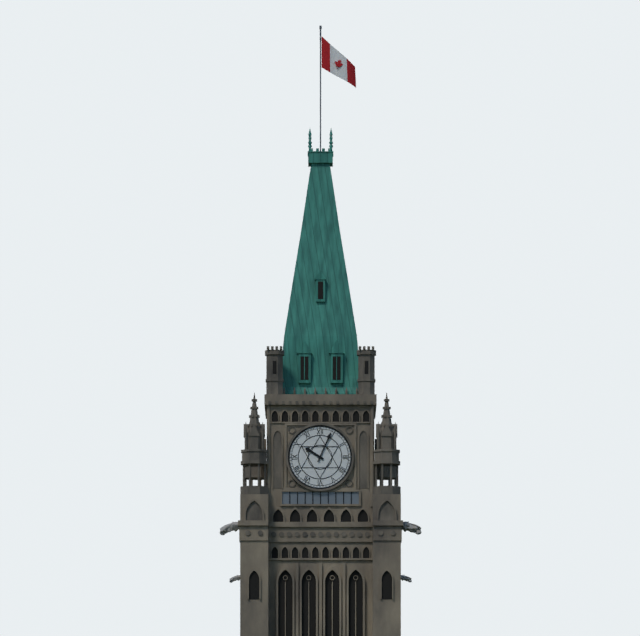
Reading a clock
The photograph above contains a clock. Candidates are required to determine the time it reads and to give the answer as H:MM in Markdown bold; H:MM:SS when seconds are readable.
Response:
**10:04**
